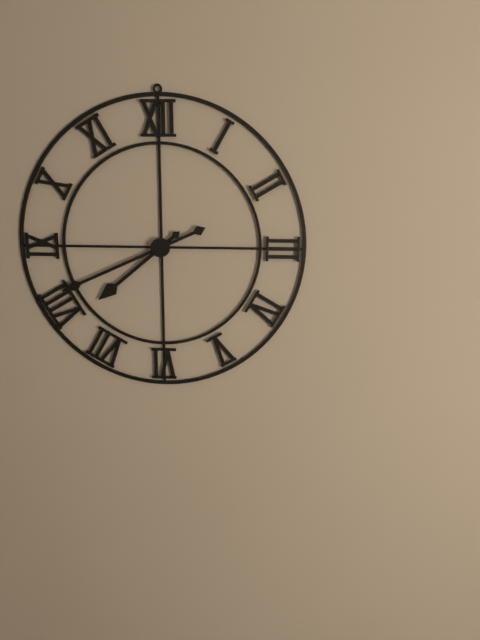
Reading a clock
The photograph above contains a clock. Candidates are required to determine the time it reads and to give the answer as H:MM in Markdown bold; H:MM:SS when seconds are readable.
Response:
**7:41**
